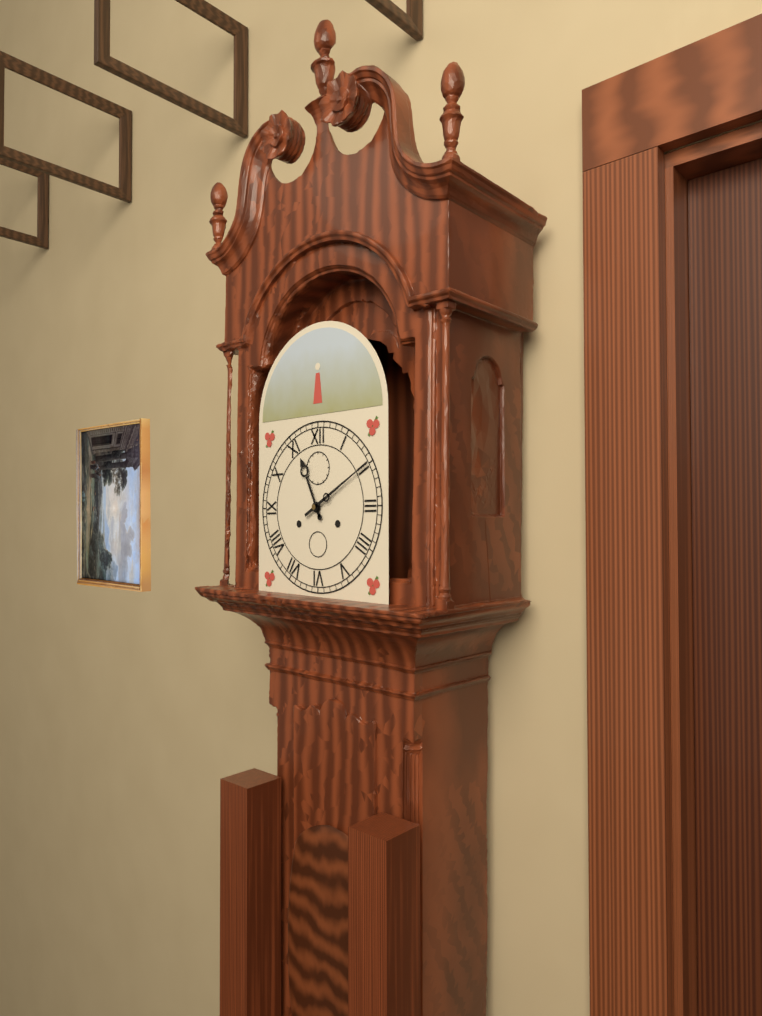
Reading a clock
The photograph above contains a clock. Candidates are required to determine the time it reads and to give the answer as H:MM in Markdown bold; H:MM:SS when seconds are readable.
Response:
**11:10**
